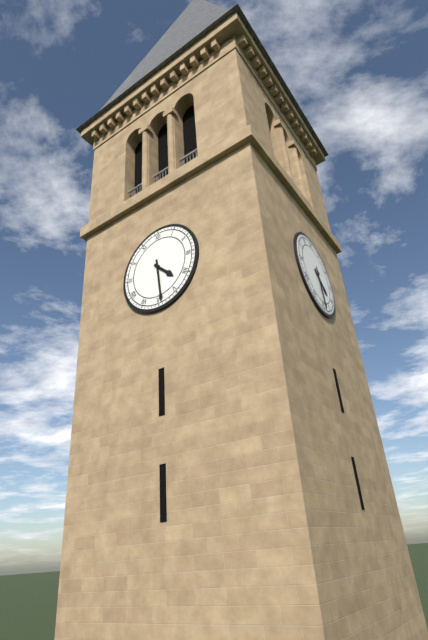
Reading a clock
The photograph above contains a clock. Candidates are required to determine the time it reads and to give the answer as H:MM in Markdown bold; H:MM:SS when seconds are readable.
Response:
**4:29**
